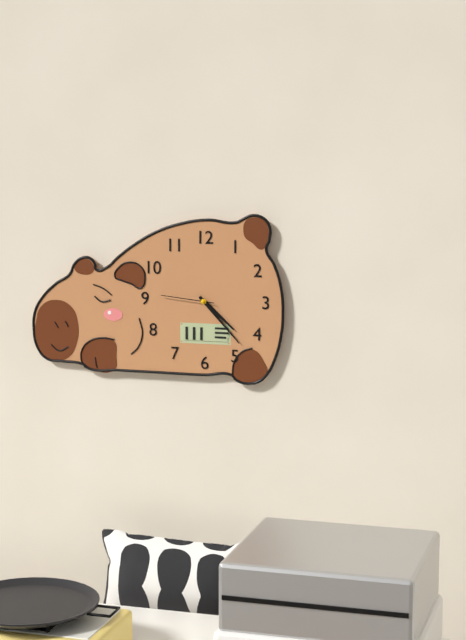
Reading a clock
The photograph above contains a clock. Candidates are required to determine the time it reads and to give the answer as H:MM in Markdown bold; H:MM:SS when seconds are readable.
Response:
**4:23:46**
